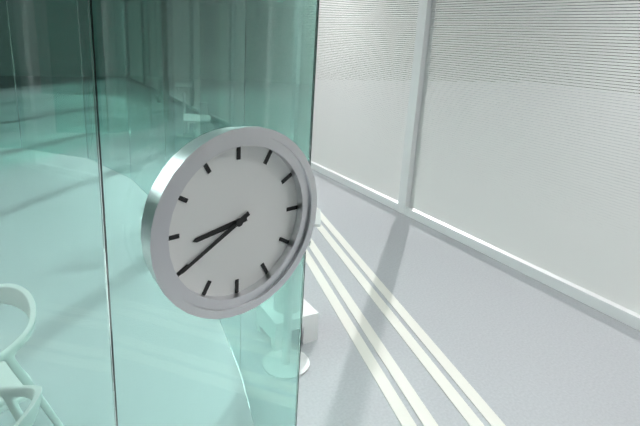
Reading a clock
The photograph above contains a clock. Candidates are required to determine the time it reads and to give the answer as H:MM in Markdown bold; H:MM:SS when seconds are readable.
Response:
**8:40**
